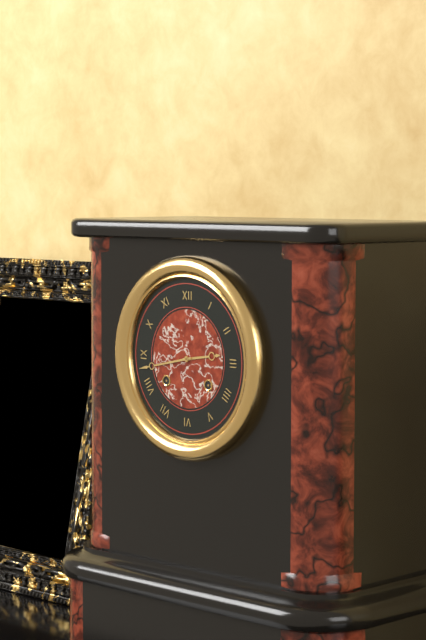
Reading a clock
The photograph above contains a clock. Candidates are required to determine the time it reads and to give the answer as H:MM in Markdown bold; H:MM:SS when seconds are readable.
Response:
**2:43**
